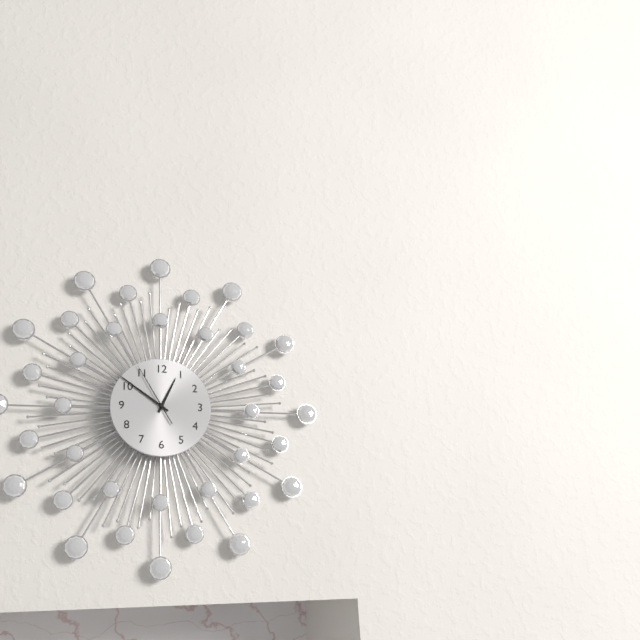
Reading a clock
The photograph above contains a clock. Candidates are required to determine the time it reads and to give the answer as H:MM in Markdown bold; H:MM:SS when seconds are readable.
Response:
**12:51:55**
